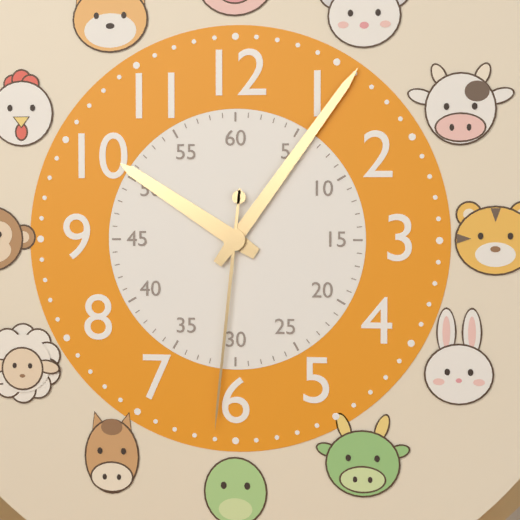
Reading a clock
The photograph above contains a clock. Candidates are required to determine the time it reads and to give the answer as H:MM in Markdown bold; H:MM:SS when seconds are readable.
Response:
**10:06:31**
